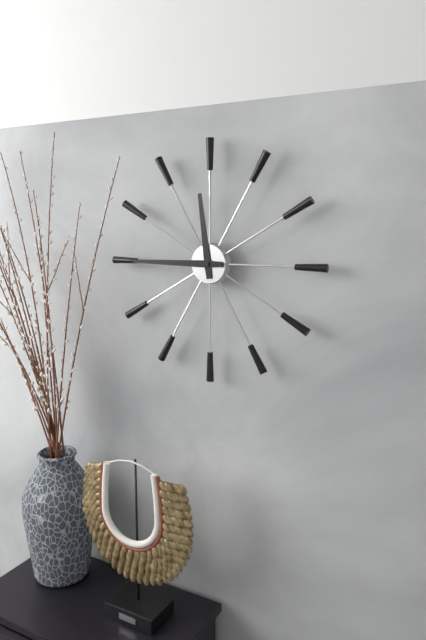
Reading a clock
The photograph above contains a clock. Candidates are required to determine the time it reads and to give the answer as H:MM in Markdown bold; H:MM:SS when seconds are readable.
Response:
**11:45**
